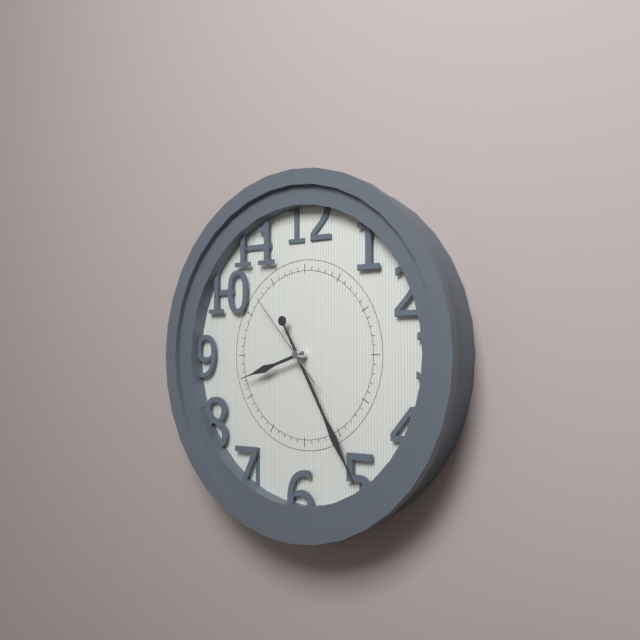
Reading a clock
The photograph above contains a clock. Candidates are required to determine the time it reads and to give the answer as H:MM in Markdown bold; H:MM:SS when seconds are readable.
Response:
**8:25:53**
